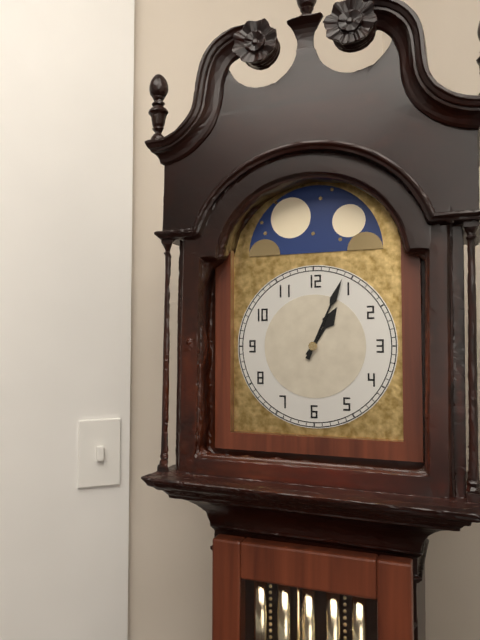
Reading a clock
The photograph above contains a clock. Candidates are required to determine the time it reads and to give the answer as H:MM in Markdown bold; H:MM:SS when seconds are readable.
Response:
**1:04**
